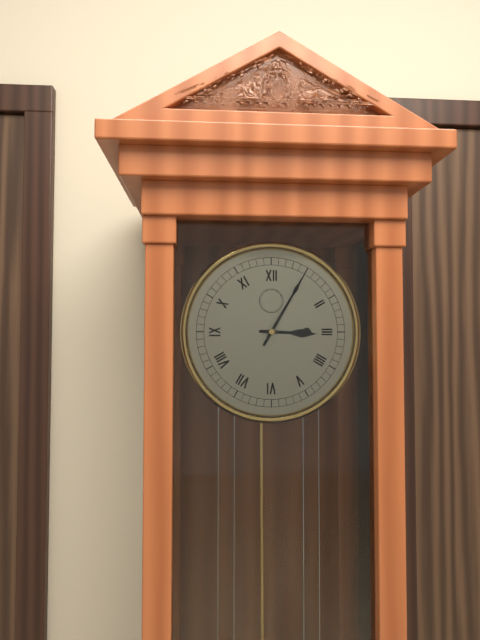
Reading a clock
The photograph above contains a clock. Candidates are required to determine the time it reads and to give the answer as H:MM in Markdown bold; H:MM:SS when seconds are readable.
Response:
**3:05**
